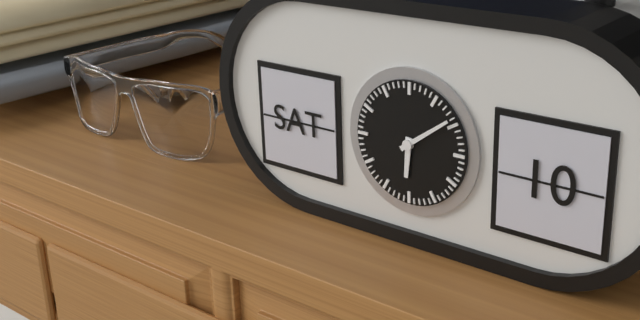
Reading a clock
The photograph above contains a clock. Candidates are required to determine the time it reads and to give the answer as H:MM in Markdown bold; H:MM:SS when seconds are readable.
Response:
**6:09**
